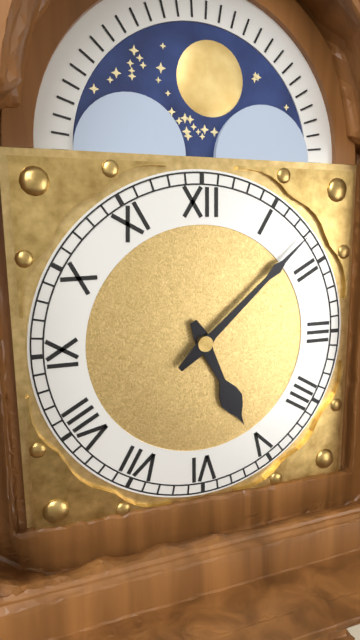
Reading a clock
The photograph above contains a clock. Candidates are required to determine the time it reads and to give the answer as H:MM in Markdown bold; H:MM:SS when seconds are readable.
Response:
**5:08**
